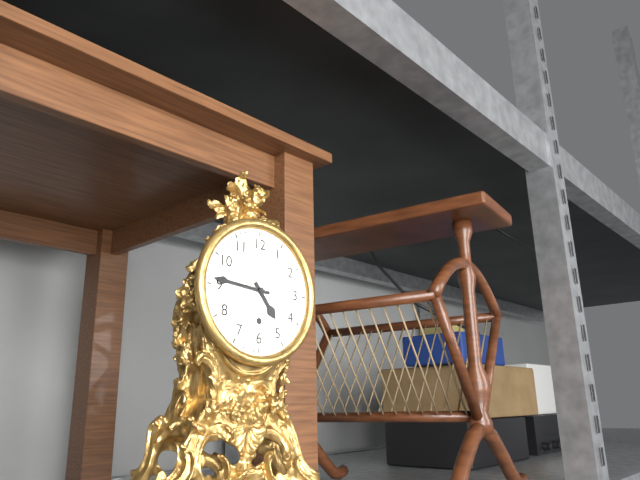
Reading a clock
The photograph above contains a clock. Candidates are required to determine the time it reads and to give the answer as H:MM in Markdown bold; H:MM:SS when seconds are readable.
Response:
**4:46**
